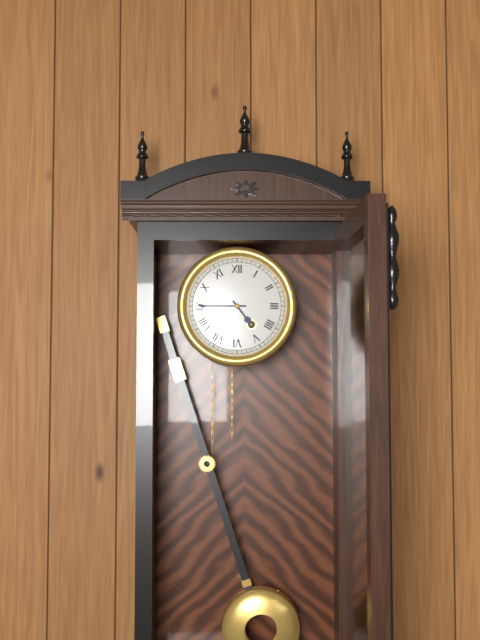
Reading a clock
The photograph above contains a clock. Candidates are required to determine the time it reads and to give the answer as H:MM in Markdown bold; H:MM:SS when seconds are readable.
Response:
**4:45**
